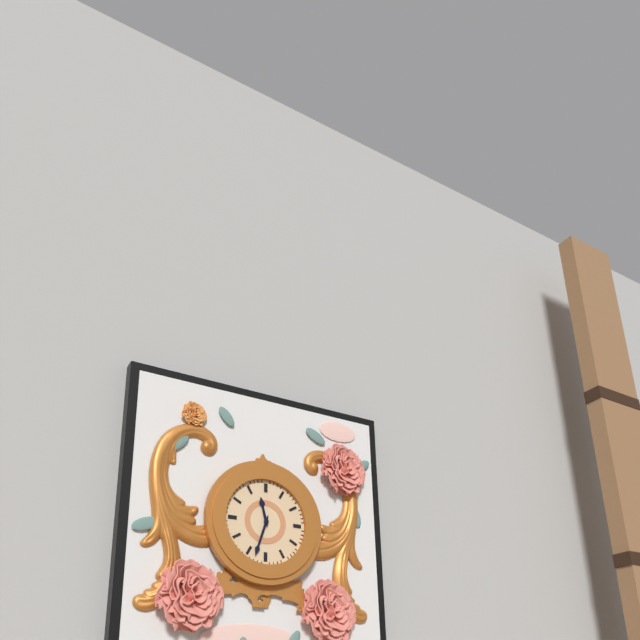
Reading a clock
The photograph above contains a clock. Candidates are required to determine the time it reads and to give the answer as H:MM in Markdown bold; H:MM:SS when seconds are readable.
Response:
**11:33**
